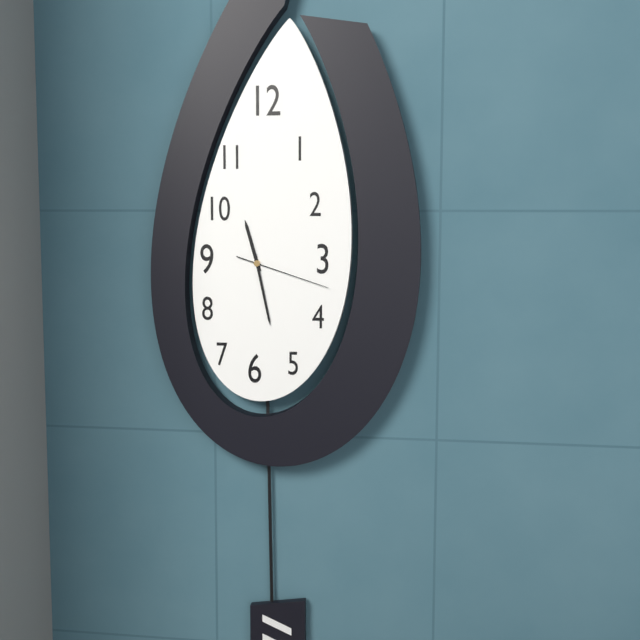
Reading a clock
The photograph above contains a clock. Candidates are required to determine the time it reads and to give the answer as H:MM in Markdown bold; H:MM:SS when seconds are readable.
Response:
**11:28:18**
